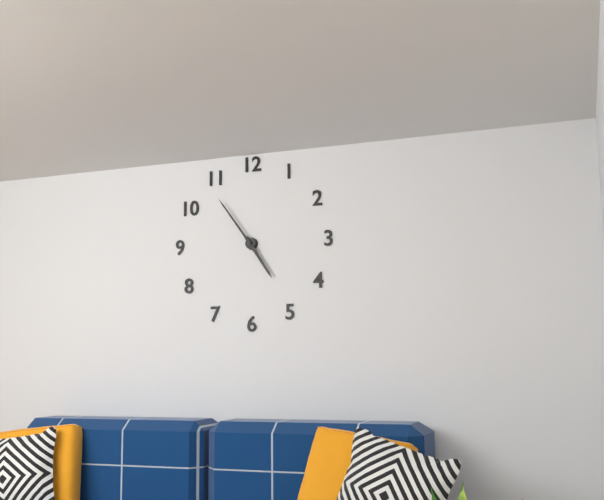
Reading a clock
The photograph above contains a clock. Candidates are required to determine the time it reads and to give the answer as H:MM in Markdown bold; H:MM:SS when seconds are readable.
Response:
**4:54**
